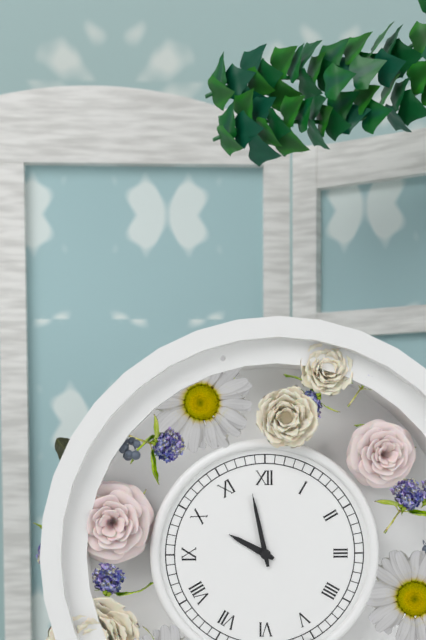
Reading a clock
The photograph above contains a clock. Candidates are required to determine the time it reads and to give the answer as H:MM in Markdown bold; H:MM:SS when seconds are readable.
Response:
**9:58**
